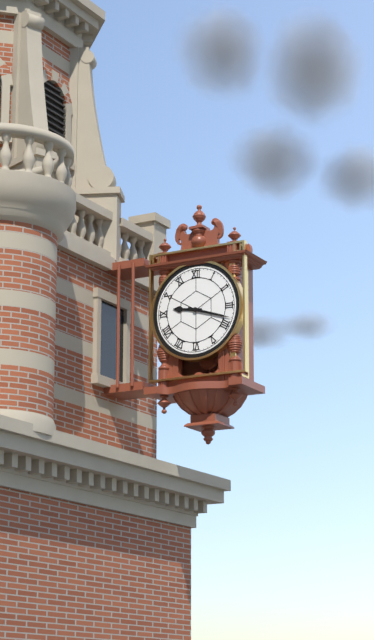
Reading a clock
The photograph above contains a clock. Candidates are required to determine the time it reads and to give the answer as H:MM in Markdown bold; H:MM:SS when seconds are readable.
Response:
**9:18**
